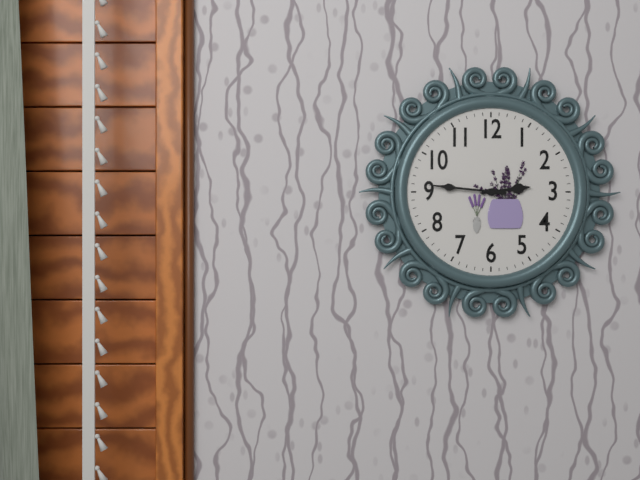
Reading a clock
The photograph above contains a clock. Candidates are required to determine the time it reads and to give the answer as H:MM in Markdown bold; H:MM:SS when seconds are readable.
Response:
**2:46**
